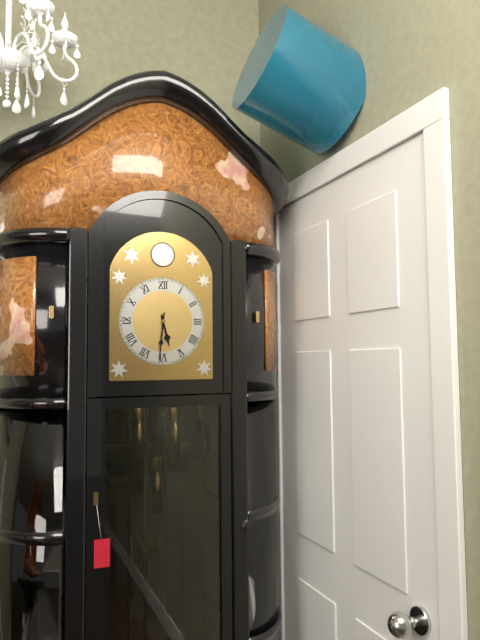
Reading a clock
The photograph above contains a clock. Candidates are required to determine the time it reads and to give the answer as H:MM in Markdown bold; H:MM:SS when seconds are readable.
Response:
**5:31**
